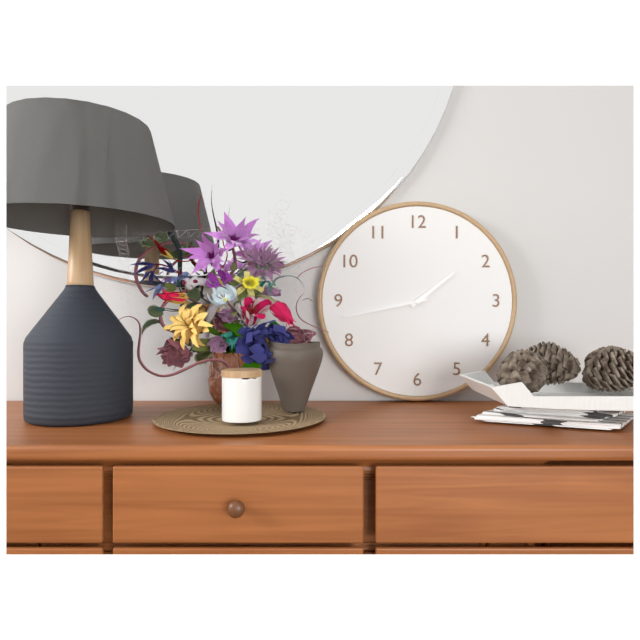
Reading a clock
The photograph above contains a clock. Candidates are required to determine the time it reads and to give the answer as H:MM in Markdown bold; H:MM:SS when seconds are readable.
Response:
**1:43**
